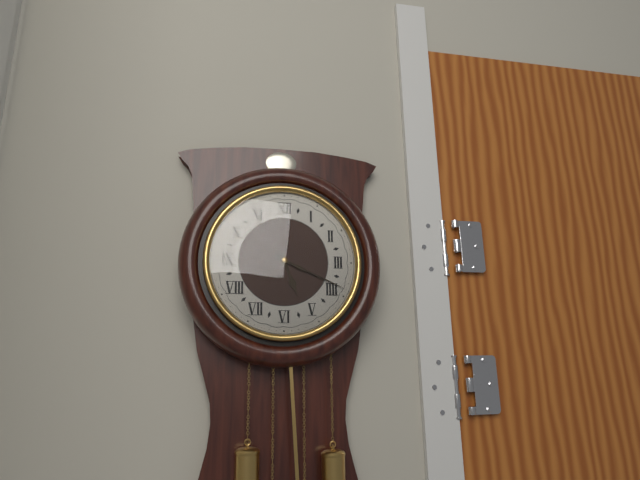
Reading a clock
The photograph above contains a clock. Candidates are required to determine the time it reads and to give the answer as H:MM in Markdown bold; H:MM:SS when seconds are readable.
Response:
**5:19**
